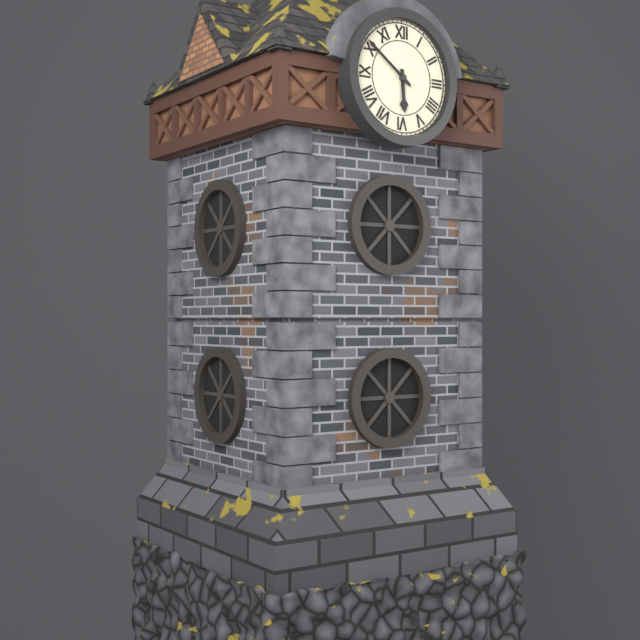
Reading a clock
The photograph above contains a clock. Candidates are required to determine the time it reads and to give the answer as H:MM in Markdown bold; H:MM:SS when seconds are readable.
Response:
**5:51**
